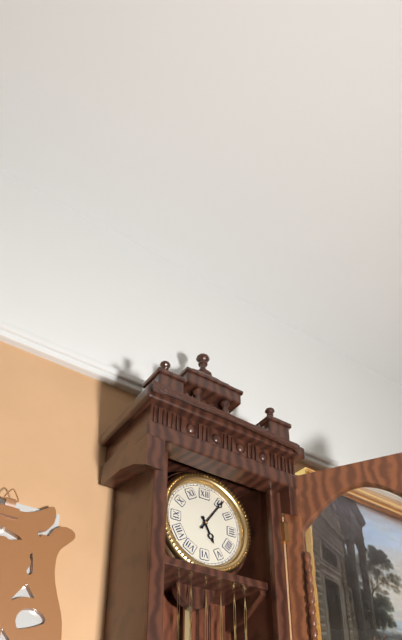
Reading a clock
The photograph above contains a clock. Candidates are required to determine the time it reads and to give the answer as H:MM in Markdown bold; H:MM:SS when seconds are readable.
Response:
**5:06**
